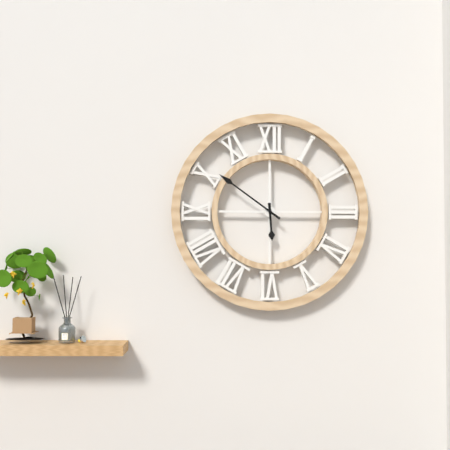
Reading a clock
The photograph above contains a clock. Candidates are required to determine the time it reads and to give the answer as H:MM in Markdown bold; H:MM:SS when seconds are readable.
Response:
**5:51**
